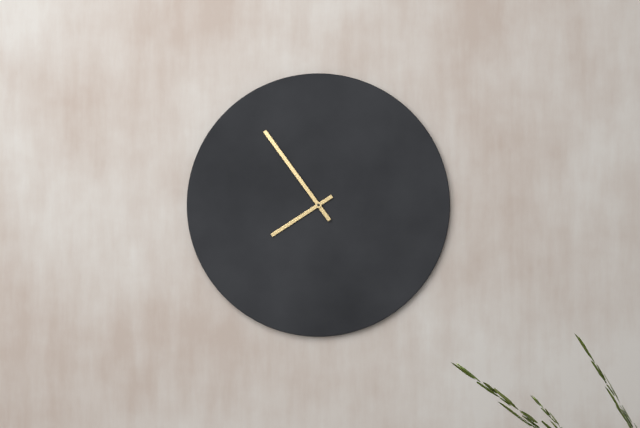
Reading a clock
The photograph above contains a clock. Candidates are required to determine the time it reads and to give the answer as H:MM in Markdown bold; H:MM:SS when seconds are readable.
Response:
**7:54**
